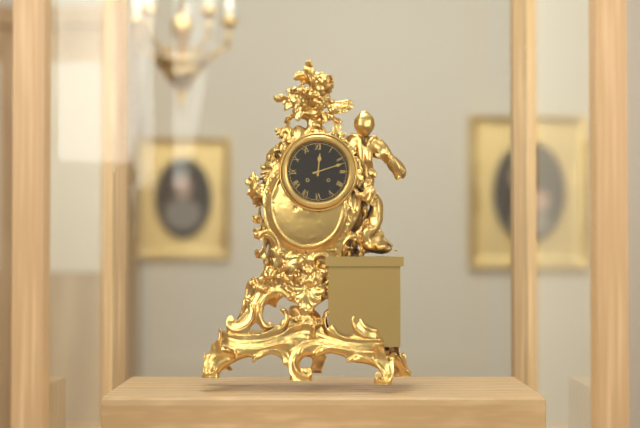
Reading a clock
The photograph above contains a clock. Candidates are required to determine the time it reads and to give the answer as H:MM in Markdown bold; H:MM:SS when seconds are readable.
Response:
**12:12**
